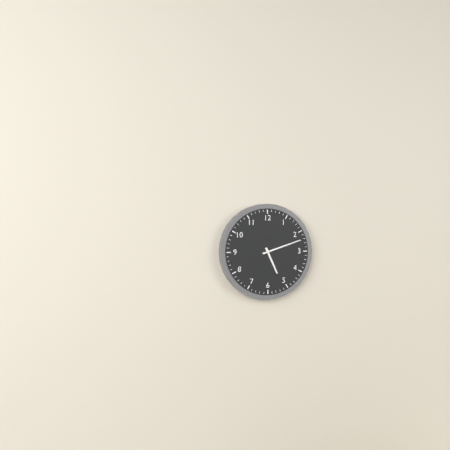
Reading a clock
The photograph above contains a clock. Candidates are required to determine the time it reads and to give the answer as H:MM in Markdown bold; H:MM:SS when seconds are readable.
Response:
**5:12**
